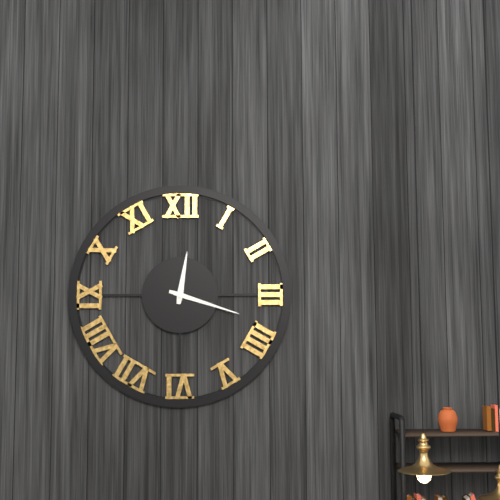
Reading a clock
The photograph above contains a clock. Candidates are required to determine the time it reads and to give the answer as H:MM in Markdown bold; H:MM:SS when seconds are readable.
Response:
**12:18**
